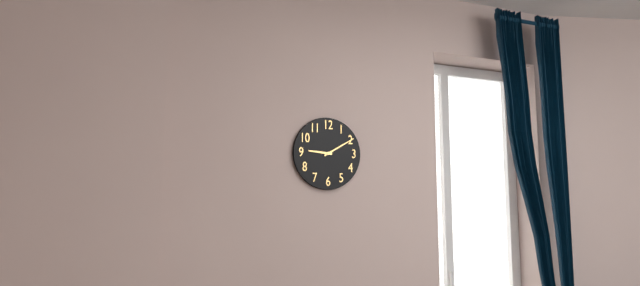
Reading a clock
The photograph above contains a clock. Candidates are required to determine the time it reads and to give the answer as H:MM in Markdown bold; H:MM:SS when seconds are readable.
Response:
**9:10**
